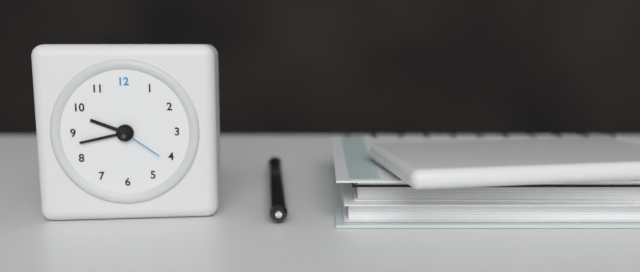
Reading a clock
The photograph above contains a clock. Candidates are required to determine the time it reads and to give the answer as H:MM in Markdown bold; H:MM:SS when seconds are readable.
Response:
**9:43:21**
